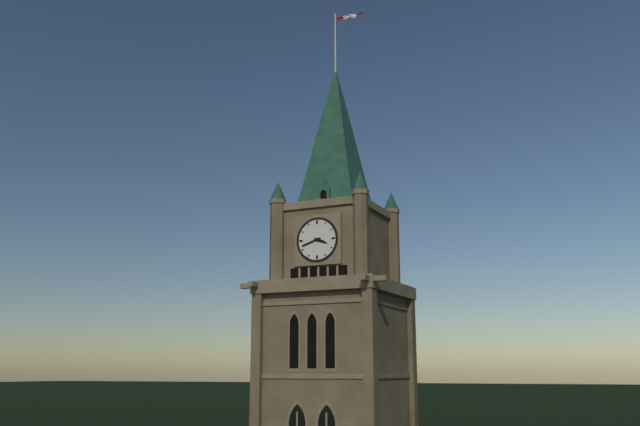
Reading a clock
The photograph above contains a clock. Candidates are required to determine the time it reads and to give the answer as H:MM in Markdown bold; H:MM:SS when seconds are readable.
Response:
**3:42**
